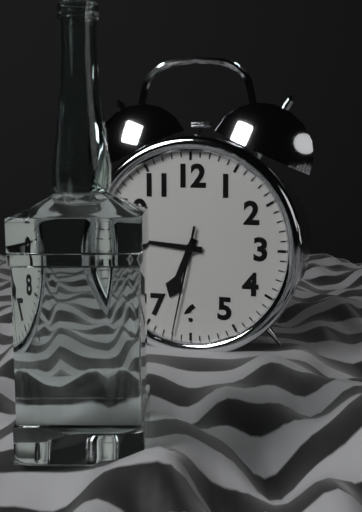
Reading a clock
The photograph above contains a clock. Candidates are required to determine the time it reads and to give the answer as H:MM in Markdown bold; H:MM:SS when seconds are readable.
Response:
**6:46:32**
